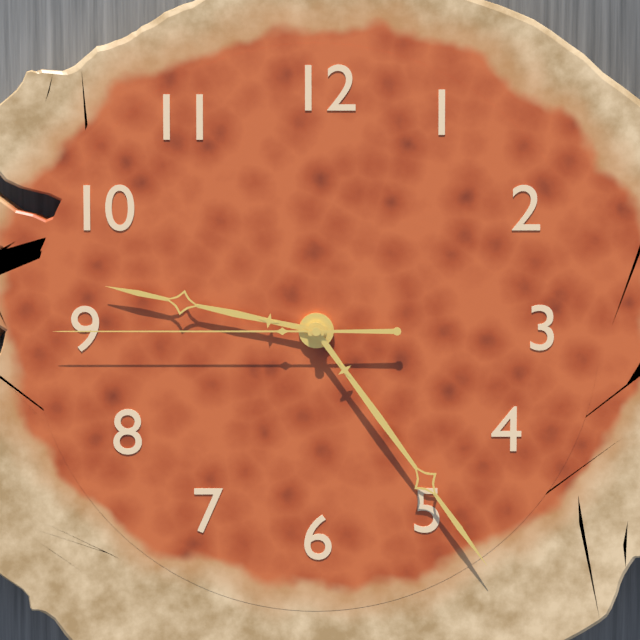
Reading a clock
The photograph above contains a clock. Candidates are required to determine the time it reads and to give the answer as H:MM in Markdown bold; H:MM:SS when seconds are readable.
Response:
**9:24:45**
